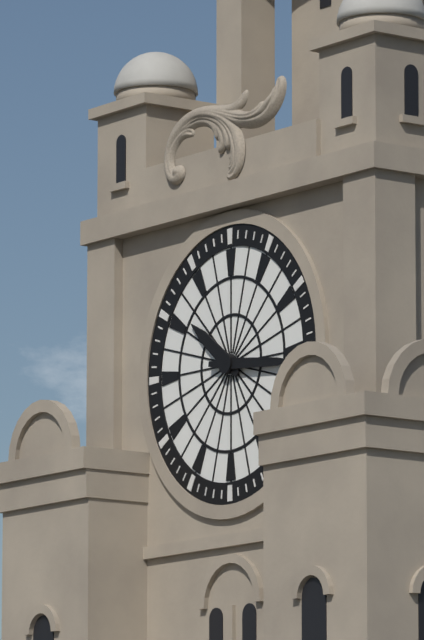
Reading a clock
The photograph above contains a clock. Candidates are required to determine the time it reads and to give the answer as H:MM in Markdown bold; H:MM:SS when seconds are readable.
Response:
**10:16**
